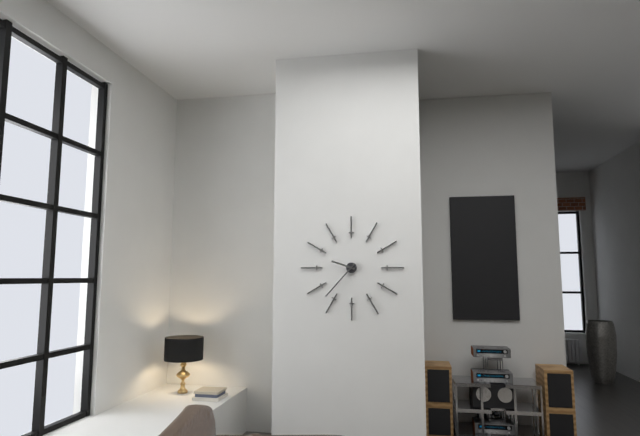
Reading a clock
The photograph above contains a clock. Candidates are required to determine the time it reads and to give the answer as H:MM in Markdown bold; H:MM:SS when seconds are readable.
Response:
**9:37**
